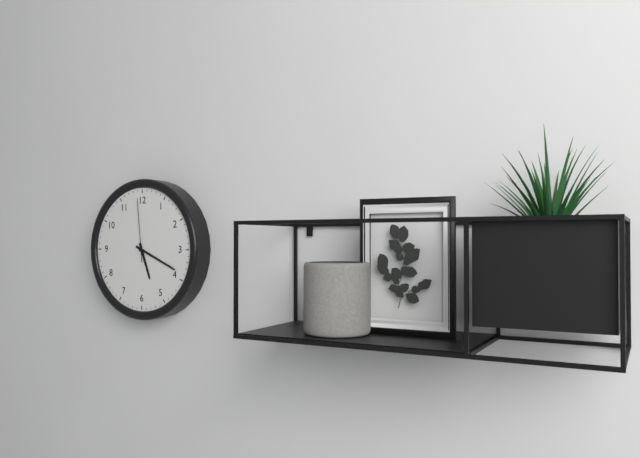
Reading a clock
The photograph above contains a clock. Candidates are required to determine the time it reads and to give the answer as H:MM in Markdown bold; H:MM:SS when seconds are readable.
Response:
**5:19:59**
